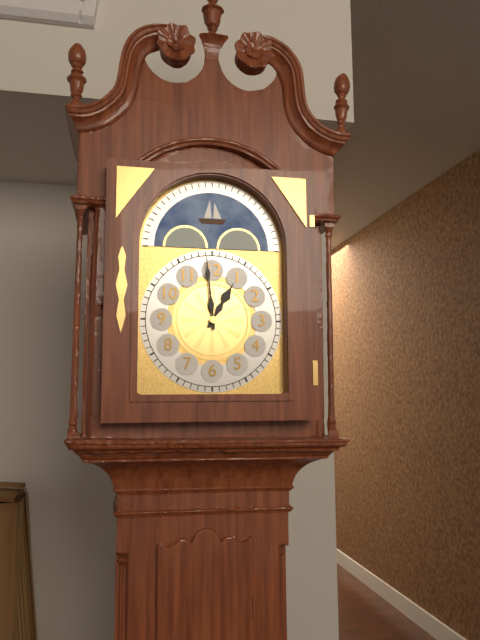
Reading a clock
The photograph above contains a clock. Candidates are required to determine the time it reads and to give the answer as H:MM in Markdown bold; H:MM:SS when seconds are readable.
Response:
**12:59**
